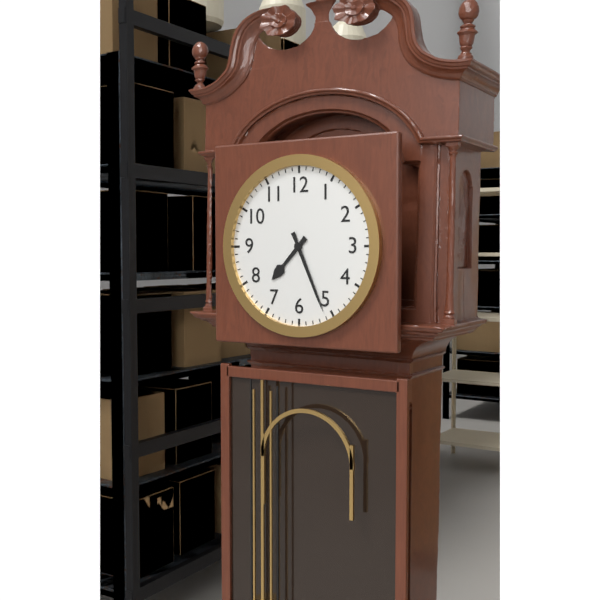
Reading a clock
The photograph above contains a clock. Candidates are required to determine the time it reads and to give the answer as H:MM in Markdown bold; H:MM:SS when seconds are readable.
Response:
**7:26**
